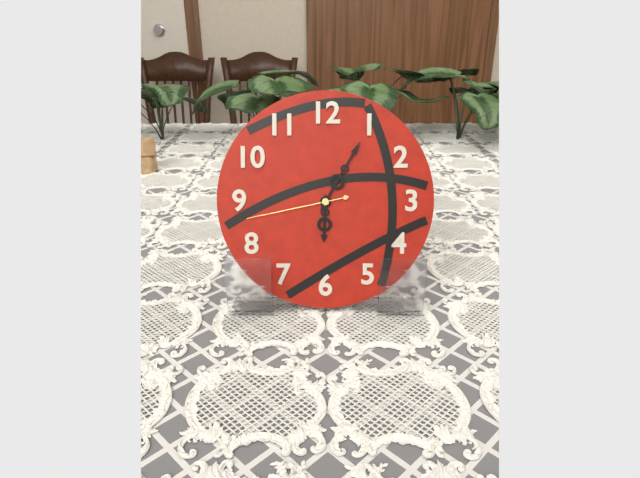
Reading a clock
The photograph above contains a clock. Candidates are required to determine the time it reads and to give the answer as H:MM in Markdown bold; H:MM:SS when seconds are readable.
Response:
**6:05:43**
